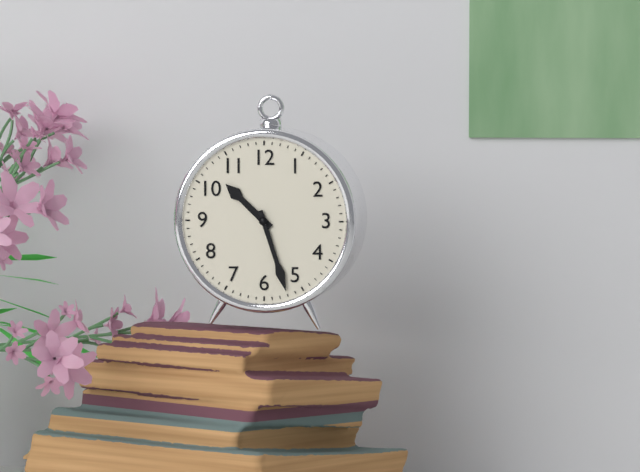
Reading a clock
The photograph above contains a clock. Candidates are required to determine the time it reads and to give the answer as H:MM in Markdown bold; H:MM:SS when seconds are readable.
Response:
**10:27**
